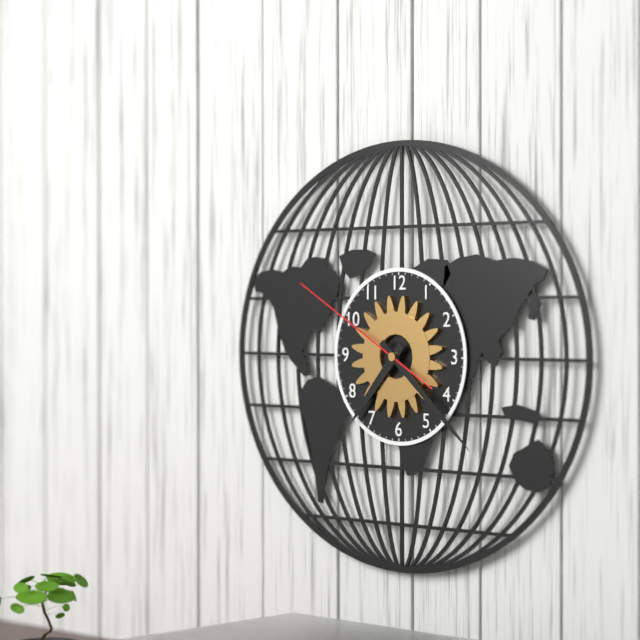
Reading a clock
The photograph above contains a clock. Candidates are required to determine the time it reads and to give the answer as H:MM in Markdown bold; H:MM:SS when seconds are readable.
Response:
**7:22:50**
